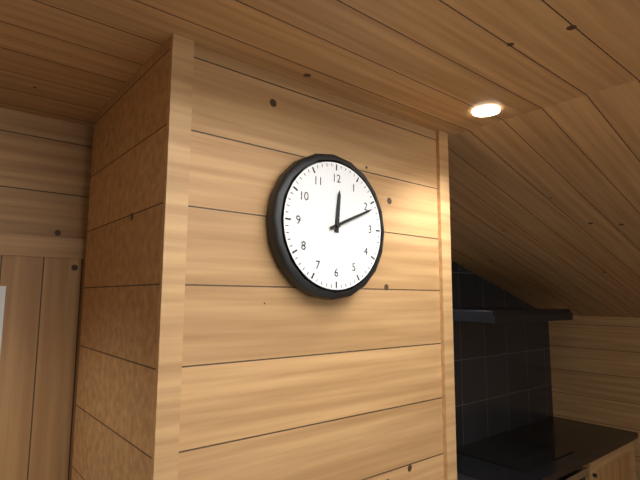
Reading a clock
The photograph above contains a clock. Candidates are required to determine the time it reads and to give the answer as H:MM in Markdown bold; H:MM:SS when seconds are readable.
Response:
**12:11**
